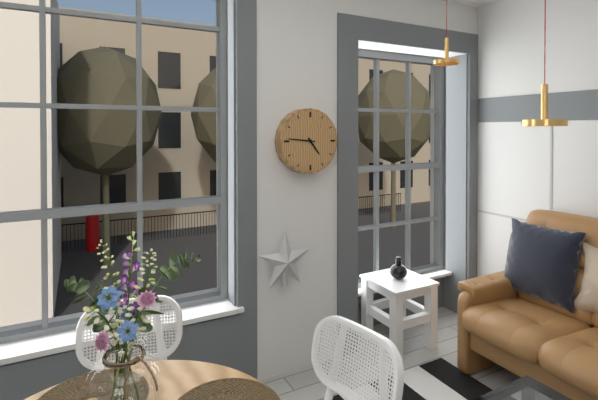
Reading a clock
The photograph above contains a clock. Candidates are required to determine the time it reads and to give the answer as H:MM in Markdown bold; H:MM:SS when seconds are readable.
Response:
**4:46**
